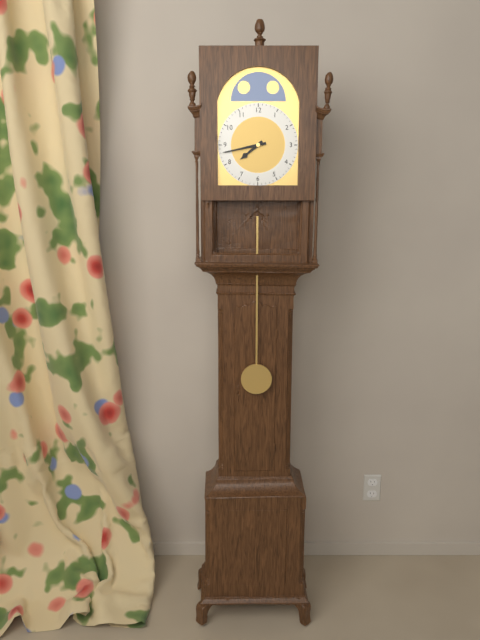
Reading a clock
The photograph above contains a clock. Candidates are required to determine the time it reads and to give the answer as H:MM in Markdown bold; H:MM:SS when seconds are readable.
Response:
**7:43**
